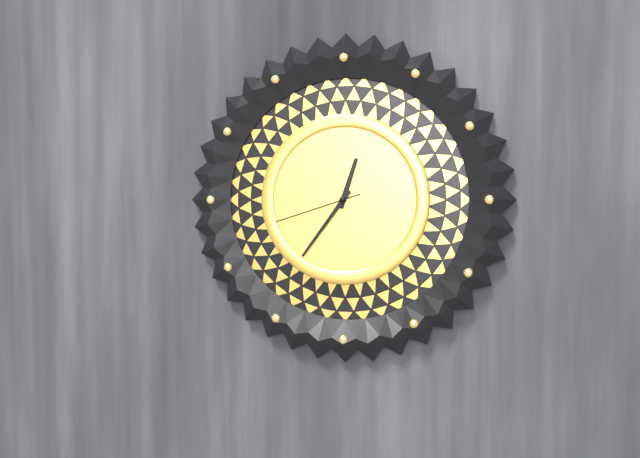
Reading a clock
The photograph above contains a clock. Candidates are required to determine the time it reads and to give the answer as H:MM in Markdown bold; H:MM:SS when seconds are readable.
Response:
**12:36:42**
